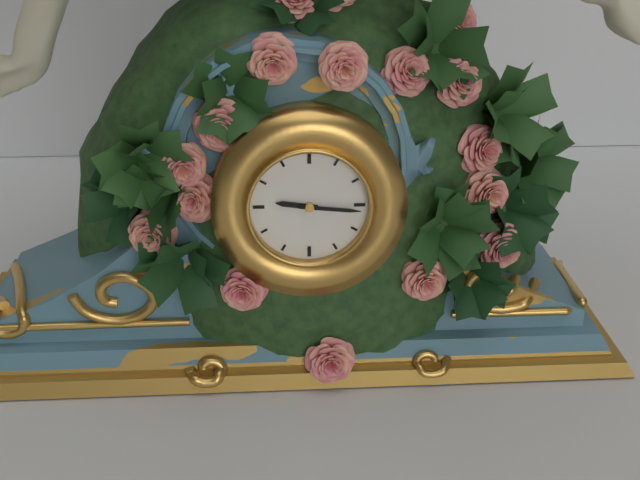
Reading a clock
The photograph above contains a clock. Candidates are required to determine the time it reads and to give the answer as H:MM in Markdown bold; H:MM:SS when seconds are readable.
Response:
**9:16**
